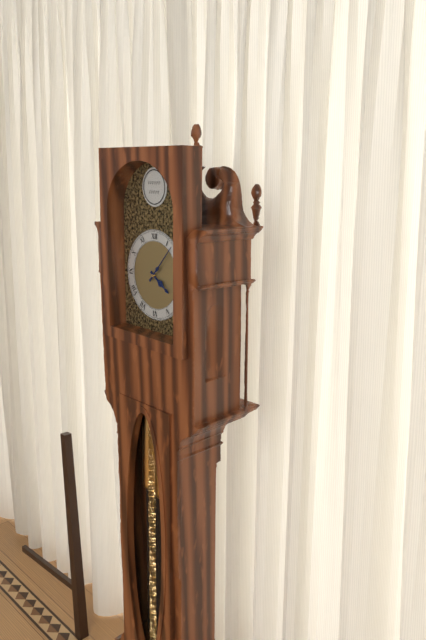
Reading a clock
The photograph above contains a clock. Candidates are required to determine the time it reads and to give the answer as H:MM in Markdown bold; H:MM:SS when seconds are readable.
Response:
**4:07**
